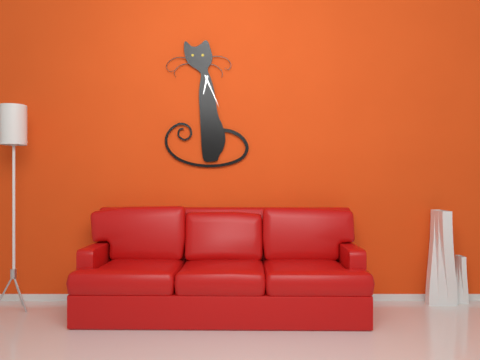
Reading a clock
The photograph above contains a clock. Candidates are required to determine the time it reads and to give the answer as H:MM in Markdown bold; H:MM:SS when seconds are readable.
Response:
**6:26**
